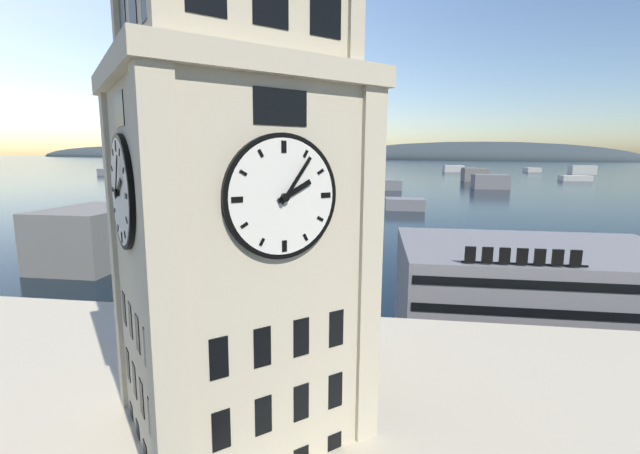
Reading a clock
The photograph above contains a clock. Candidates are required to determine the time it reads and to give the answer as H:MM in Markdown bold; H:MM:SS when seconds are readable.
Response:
**2:06**
